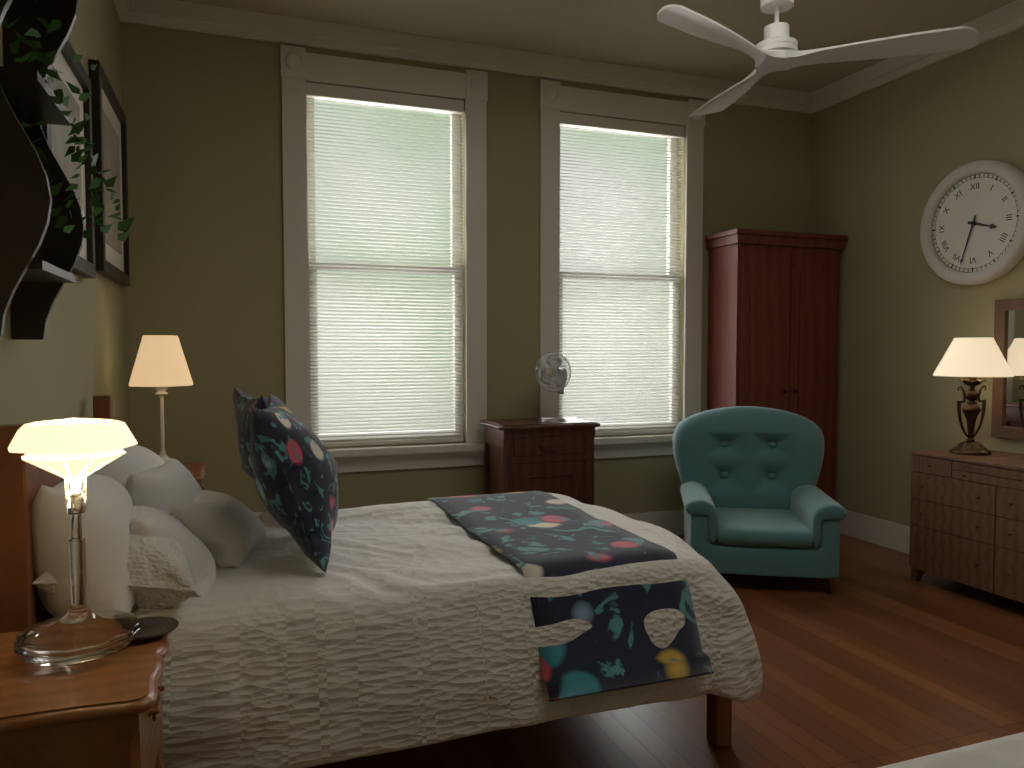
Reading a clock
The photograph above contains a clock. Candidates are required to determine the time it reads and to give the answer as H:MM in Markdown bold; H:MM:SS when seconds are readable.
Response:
**3:33**
